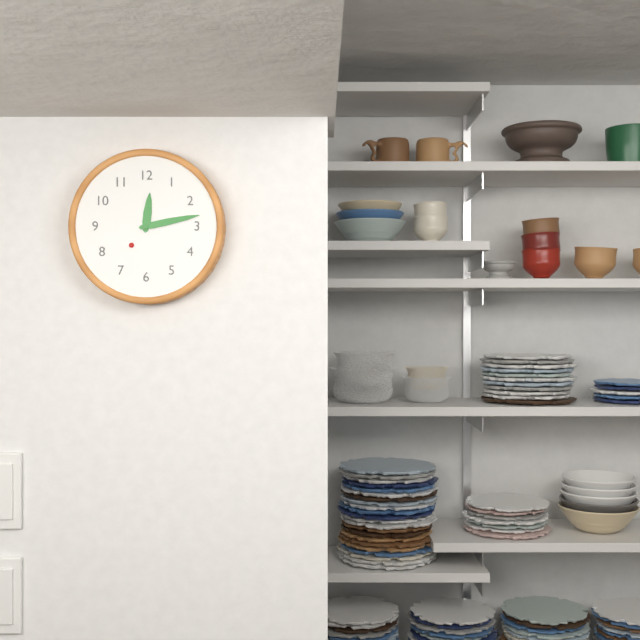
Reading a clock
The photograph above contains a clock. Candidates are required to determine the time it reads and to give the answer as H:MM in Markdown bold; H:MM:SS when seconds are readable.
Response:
**12:13**
